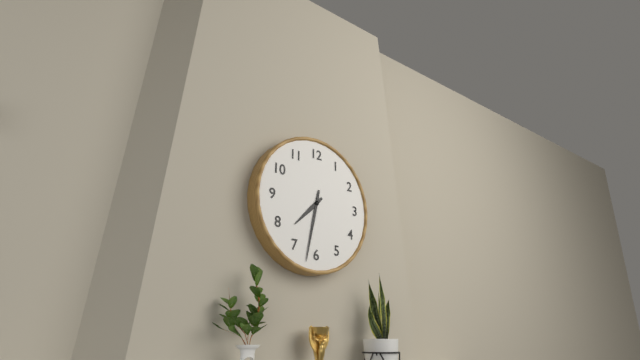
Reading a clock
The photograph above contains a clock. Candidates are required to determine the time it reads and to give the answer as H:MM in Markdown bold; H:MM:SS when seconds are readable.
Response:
**7:32**
